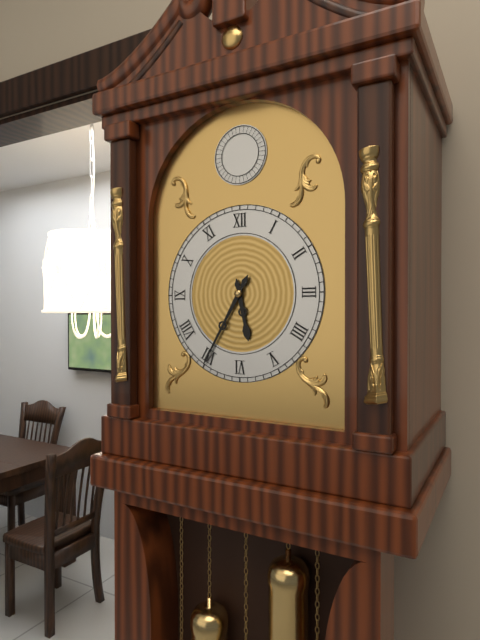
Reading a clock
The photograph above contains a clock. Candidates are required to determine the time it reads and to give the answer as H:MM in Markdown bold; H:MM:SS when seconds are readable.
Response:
**5:35**
